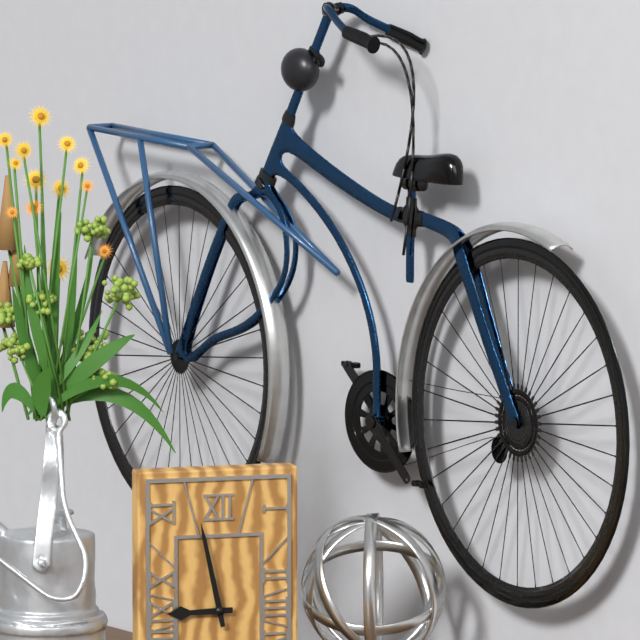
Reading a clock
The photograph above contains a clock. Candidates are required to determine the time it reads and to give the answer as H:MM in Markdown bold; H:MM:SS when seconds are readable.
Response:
**8:58**
